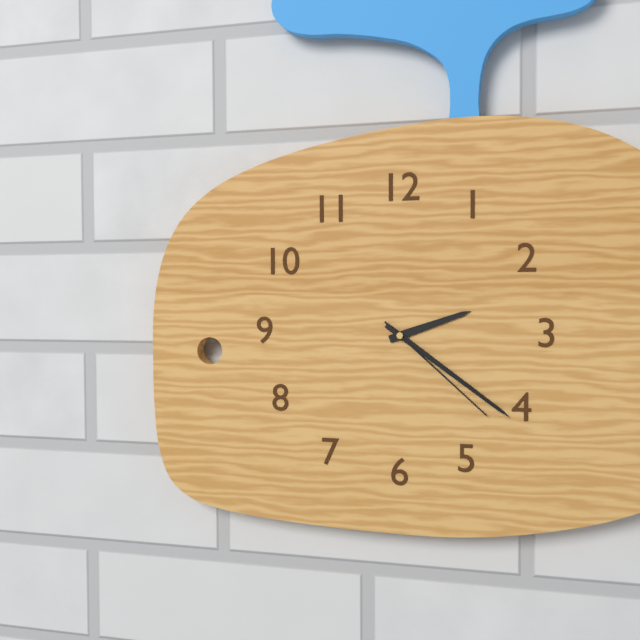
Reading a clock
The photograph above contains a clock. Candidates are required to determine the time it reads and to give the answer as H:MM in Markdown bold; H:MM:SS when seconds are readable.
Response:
**2:21:22**
